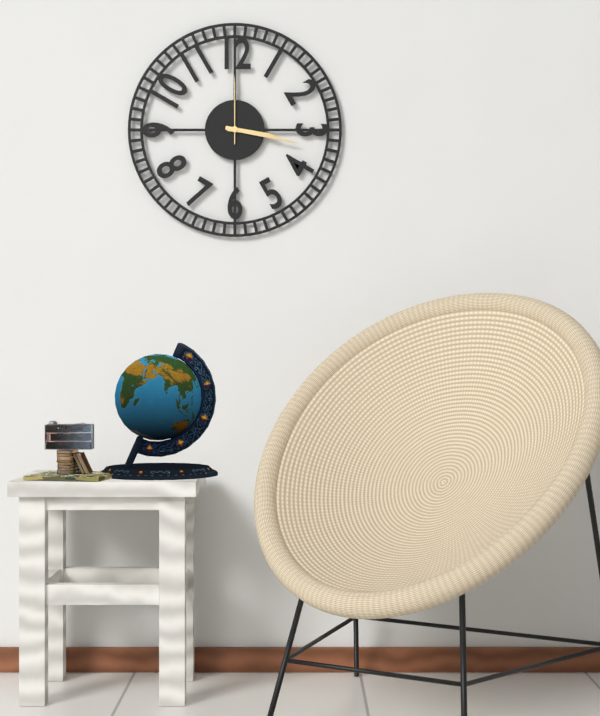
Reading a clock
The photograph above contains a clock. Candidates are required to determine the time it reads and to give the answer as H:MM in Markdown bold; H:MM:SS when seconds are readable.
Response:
**3:17:00**
